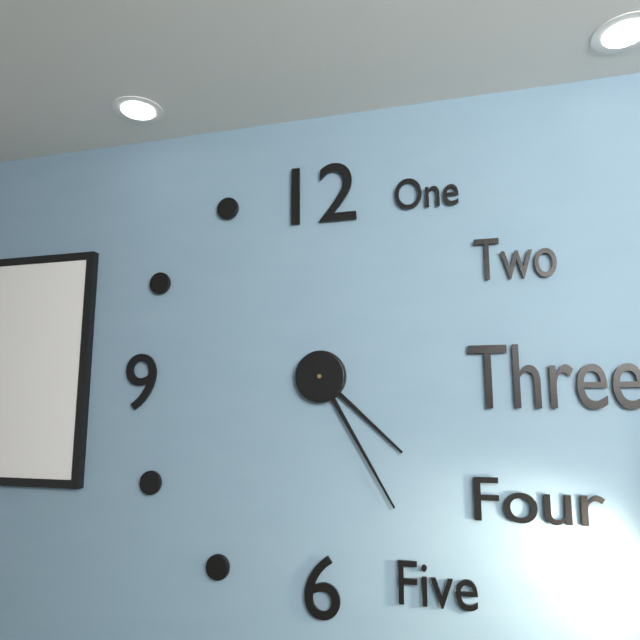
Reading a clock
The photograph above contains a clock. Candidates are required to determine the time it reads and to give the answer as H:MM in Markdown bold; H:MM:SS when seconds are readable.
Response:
**4:25**
